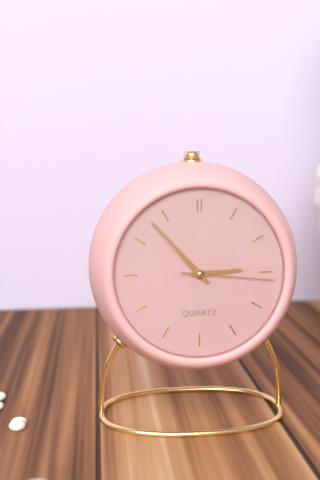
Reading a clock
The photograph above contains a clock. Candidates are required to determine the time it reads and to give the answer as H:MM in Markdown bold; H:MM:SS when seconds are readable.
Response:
**2:53:16**
